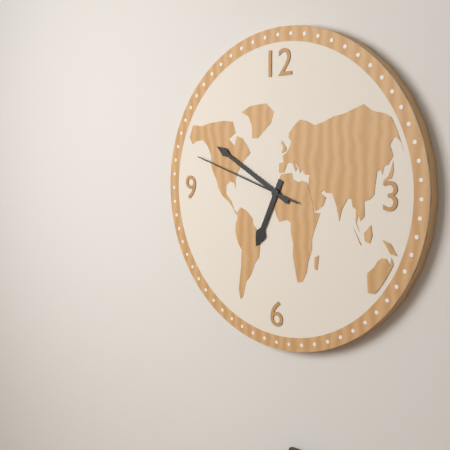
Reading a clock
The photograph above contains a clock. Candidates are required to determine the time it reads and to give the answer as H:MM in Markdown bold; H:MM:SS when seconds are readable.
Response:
**6:50:48**
